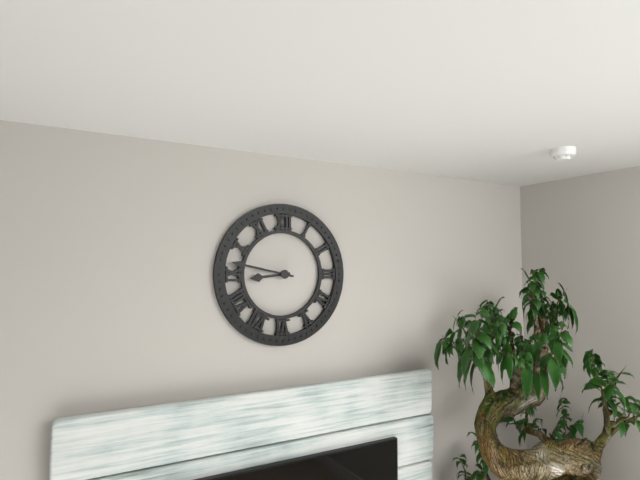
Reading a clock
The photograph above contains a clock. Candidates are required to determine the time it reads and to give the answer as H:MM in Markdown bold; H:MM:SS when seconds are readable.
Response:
**8:47**
